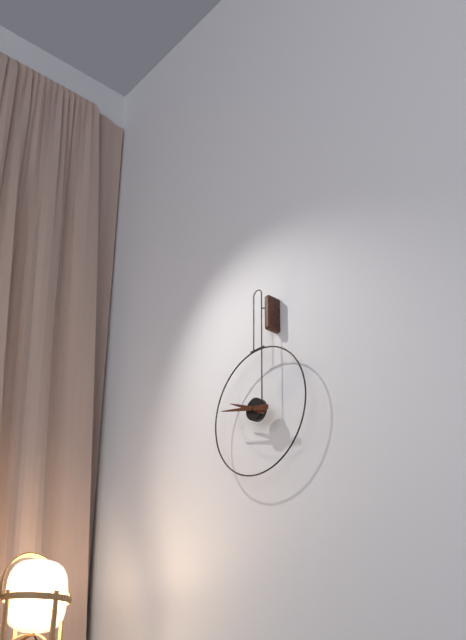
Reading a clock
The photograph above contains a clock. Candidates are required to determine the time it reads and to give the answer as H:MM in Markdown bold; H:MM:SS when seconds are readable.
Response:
**9:47**
